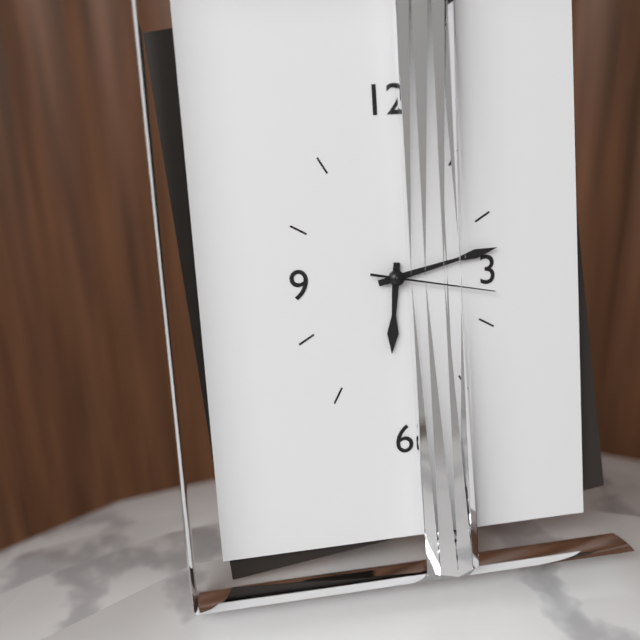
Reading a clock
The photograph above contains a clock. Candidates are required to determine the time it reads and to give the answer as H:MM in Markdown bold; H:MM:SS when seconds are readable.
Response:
**6:13:17**
